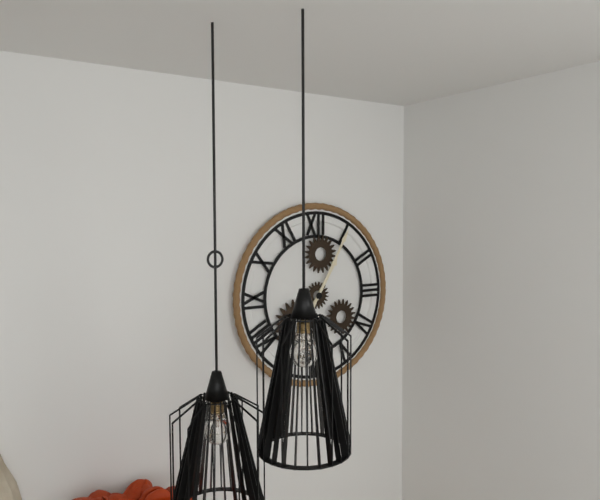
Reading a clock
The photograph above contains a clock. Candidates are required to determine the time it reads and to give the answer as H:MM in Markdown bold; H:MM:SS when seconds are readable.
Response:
**1:05**
